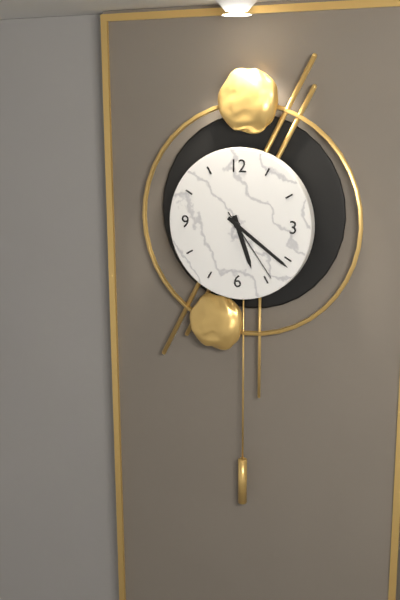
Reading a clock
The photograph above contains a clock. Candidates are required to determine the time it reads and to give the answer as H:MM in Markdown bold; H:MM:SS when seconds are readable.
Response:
**5:21:24**
